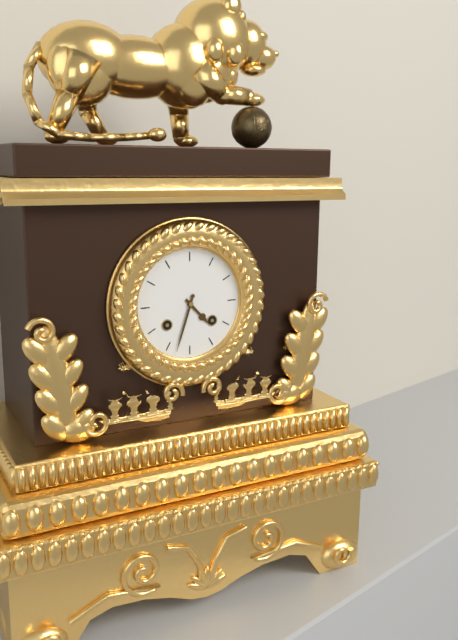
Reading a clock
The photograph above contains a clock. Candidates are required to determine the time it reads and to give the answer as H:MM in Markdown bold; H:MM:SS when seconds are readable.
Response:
**4:33**
